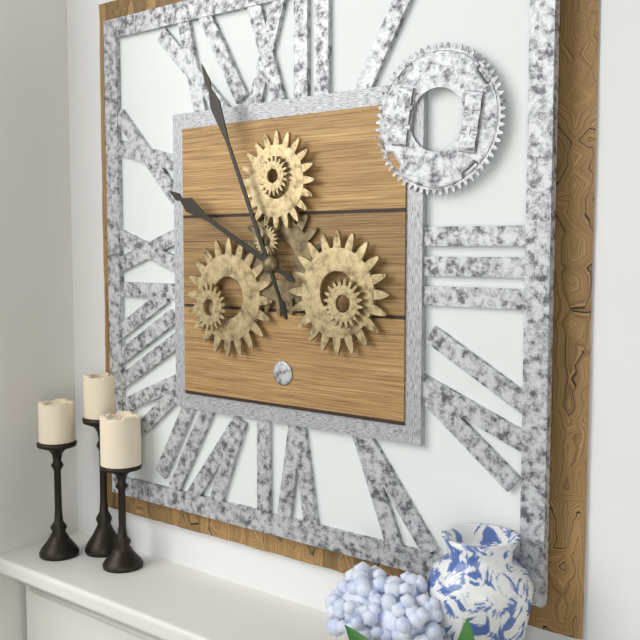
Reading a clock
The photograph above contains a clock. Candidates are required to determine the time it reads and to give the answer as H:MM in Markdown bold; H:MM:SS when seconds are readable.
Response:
**9:56**
